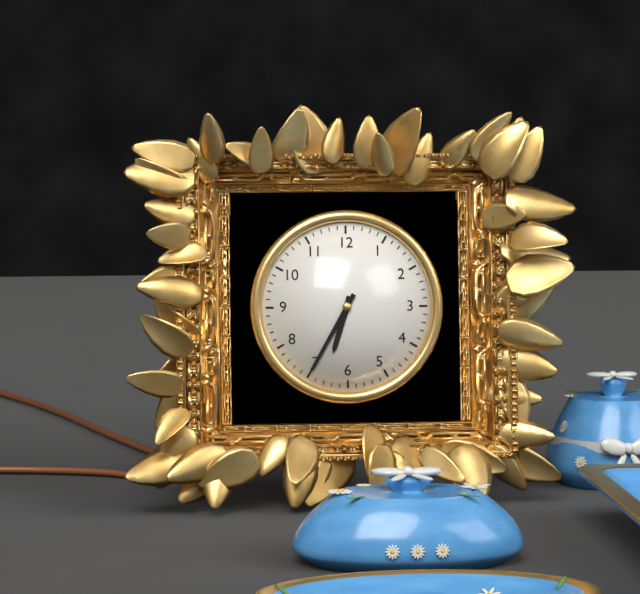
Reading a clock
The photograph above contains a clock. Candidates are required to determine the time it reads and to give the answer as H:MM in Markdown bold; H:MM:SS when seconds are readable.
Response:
**6:35**
